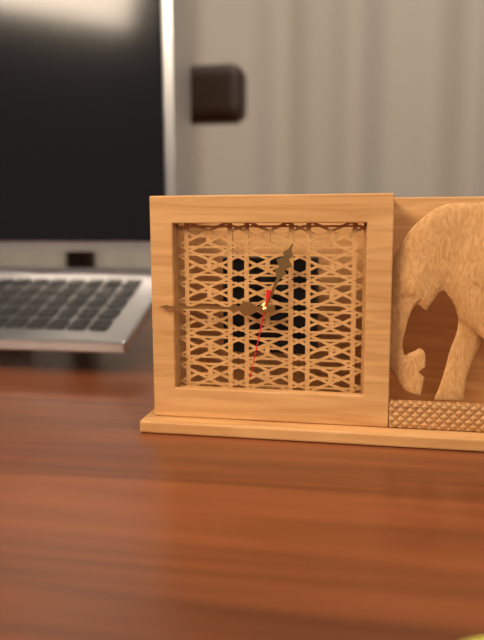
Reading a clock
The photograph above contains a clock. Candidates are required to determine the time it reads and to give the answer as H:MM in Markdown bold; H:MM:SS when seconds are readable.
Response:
**12:45:32**
